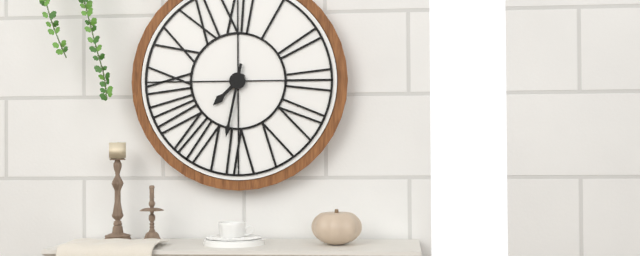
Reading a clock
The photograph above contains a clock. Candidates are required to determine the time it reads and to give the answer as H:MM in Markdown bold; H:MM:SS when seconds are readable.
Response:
**7:32**
